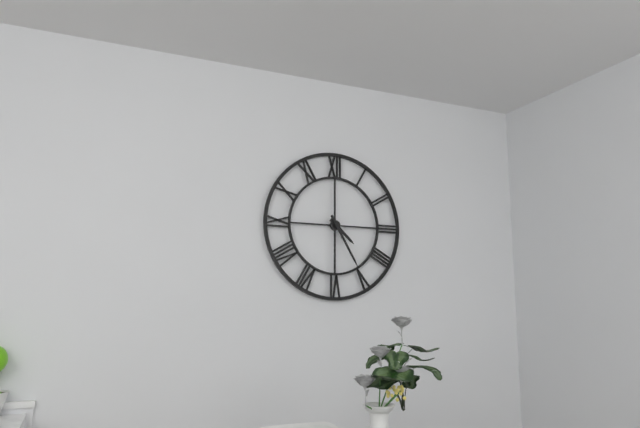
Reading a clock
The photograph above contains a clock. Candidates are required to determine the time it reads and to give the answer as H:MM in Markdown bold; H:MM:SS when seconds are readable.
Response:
**4:25**
